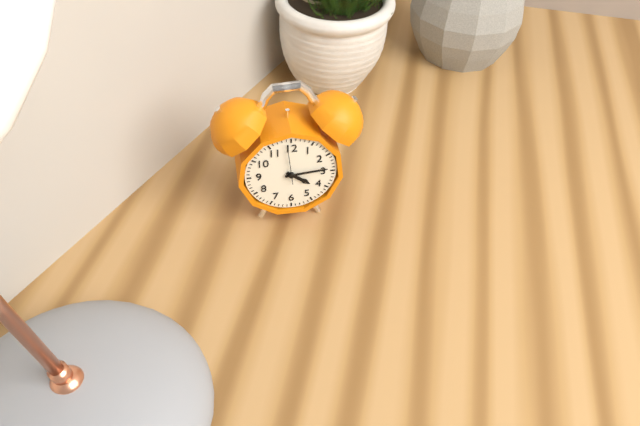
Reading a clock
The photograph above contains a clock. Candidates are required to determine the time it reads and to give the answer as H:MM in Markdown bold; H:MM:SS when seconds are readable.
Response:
**4:14**
